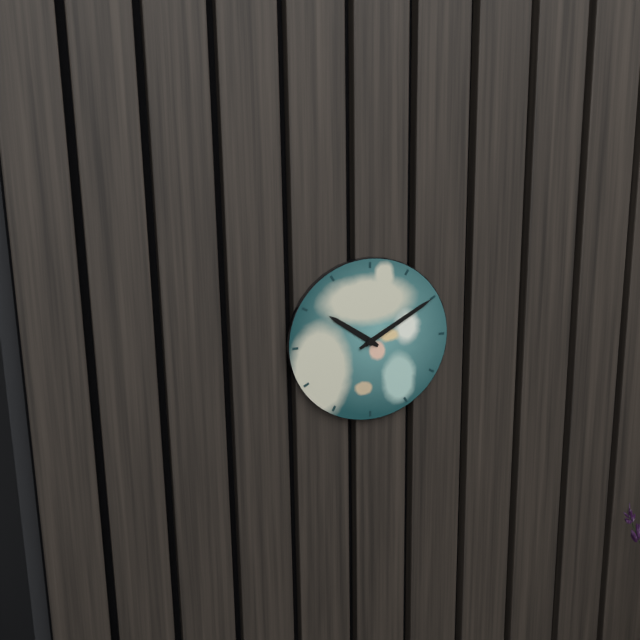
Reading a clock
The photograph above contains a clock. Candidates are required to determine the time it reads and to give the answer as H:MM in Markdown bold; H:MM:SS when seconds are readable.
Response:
**10:10**
